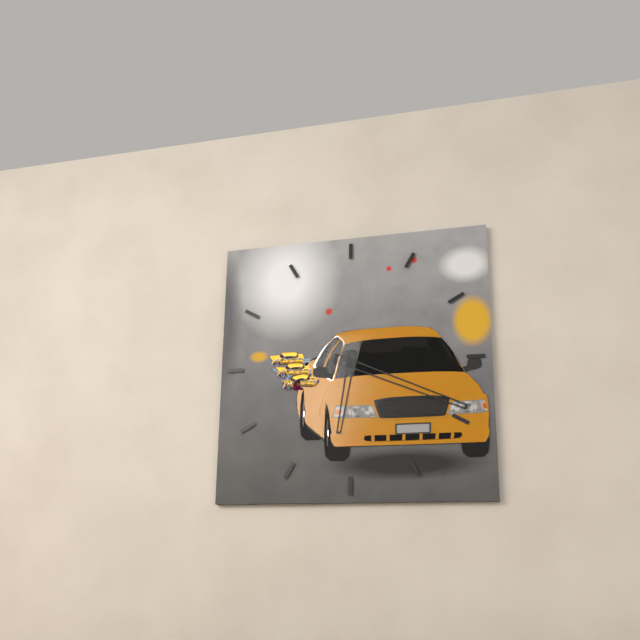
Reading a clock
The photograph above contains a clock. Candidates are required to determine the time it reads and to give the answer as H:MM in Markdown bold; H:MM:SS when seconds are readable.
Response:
**6:19**
